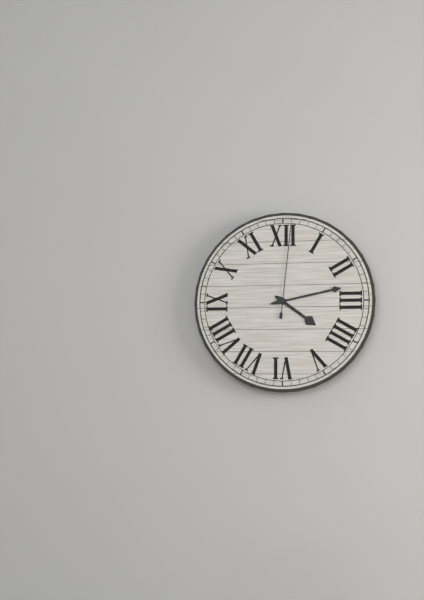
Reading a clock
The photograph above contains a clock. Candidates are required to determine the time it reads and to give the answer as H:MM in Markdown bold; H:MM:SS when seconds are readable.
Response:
**4:13:01**
